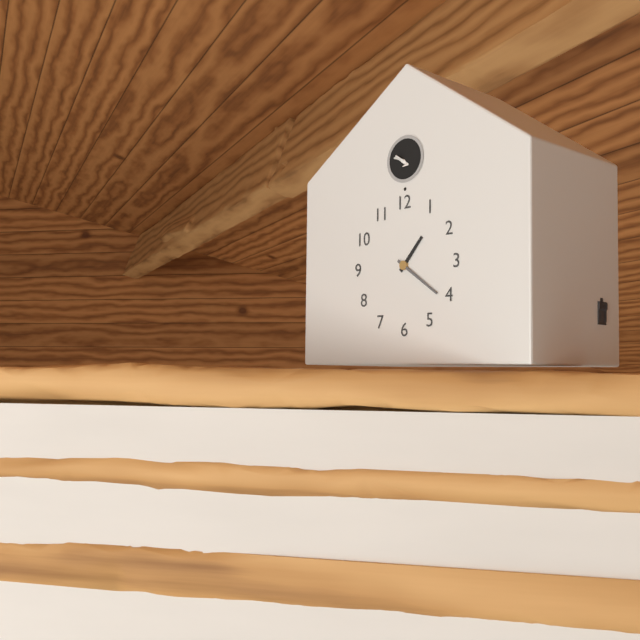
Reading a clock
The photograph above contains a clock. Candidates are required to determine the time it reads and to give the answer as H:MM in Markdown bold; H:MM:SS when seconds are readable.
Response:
**1:21**
